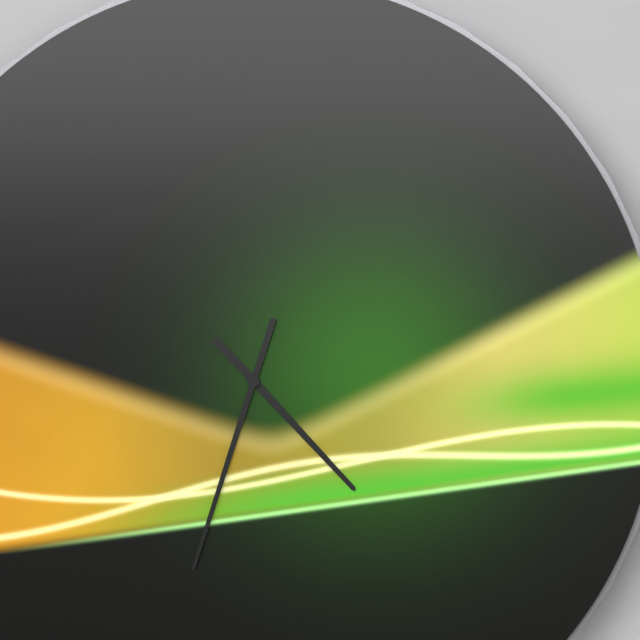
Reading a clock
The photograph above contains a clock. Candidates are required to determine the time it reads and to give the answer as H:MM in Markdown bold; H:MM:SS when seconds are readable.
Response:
**4:33**
